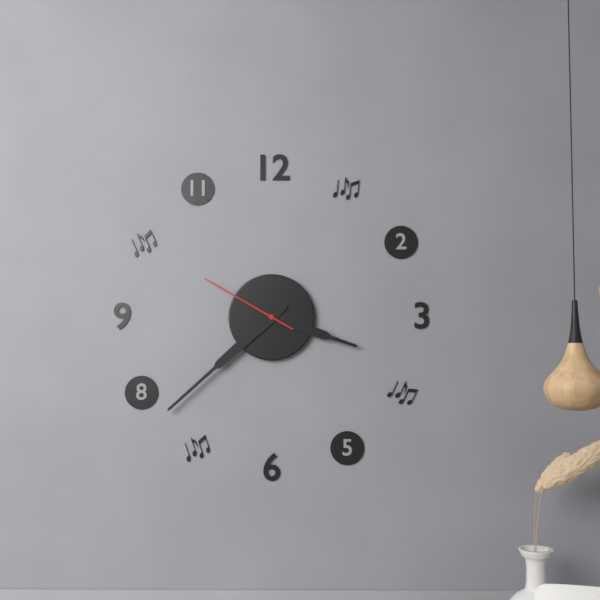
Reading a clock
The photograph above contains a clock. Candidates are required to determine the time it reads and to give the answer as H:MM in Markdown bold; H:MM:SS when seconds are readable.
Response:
**3:38:50**
